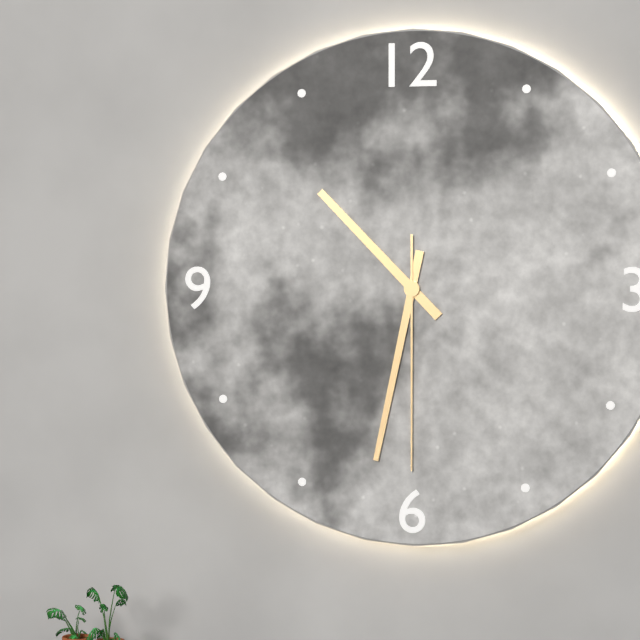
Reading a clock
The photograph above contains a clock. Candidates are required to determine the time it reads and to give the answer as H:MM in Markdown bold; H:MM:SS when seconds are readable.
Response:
**10:32:30**
